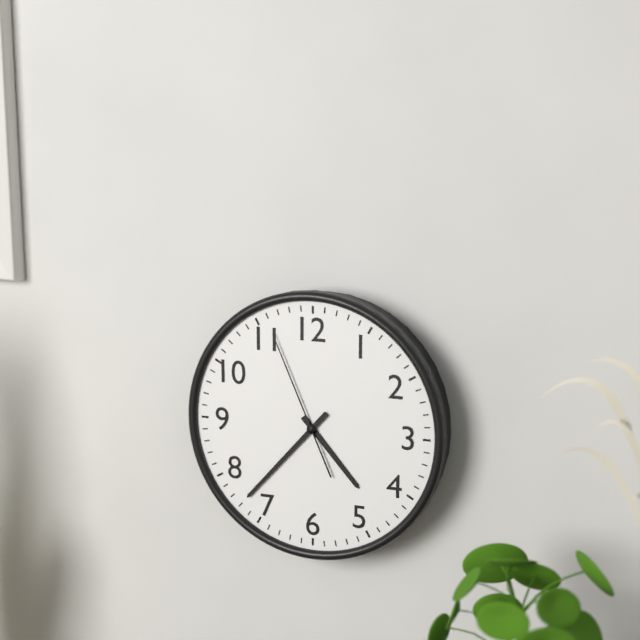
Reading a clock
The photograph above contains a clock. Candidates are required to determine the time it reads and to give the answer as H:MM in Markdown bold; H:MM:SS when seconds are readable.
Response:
**4:37:56**
